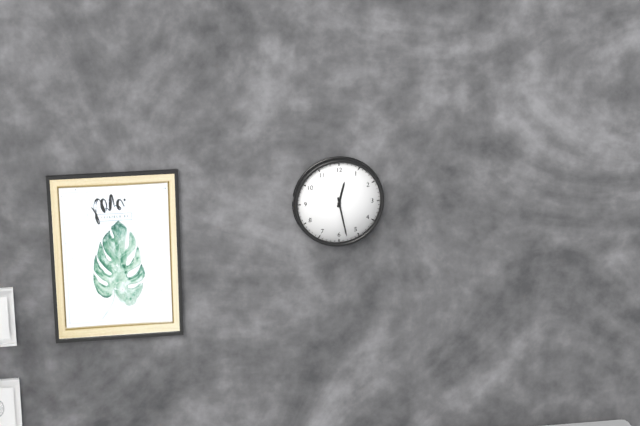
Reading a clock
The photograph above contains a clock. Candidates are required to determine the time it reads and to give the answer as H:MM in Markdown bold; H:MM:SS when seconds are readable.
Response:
**12:28**
